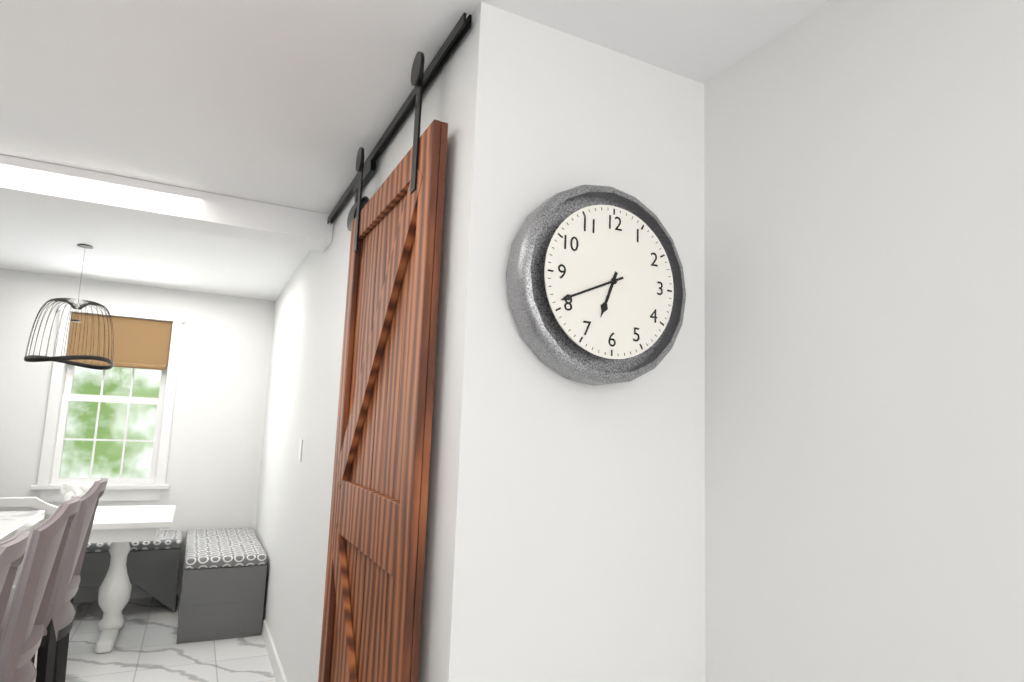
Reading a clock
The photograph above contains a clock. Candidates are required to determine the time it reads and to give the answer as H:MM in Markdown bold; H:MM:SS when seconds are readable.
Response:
**6:41**
